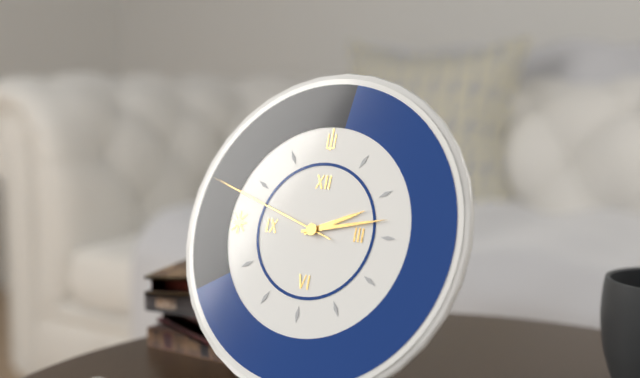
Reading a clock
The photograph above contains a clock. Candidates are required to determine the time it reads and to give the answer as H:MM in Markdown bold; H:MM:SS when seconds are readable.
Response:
**2:13:48**
